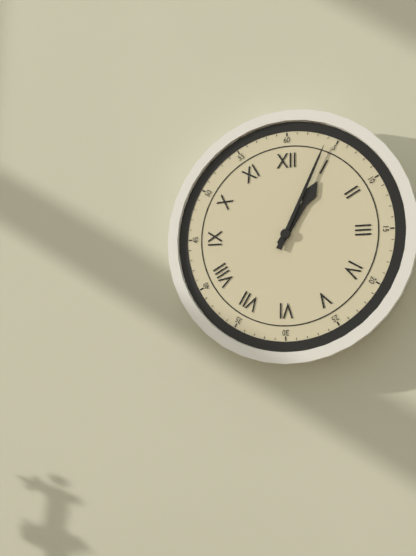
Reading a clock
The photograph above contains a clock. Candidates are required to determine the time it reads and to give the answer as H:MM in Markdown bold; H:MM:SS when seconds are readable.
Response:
**1:04**
